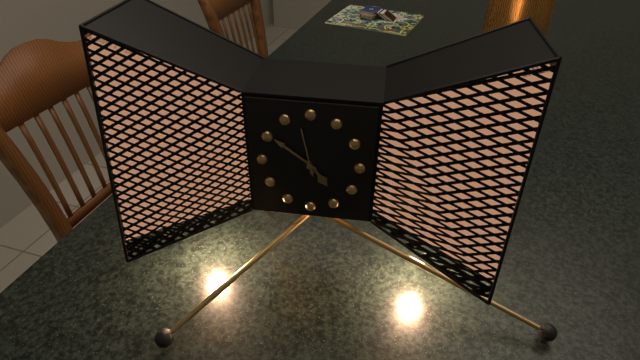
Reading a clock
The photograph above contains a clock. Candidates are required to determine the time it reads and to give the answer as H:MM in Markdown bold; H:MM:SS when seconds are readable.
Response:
**4:51**
